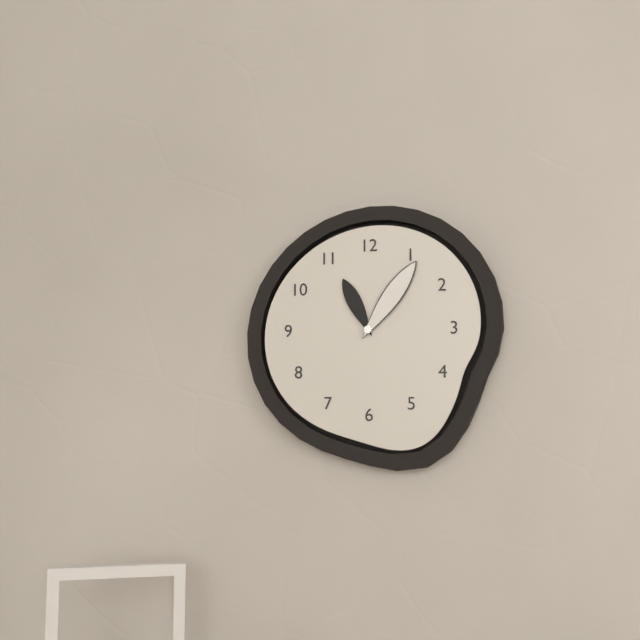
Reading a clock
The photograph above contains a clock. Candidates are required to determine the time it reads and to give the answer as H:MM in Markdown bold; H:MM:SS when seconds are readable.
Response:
**11:06**
